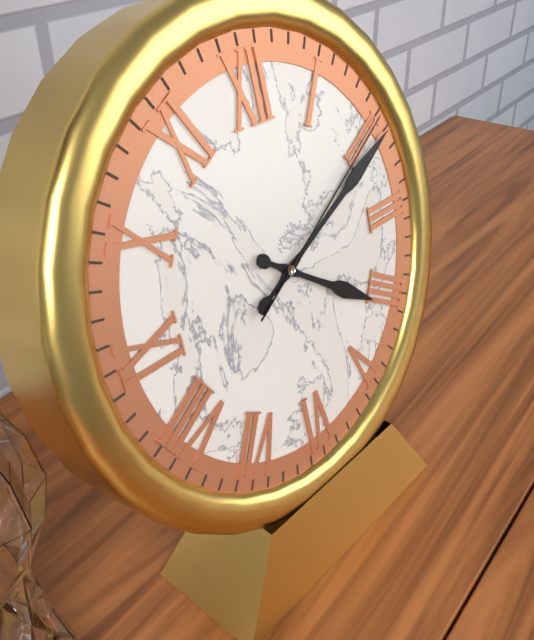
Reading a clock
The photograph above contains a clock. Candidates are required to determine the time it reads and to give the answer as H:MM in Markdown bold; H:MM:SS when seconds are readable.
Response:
**4:11:10**
